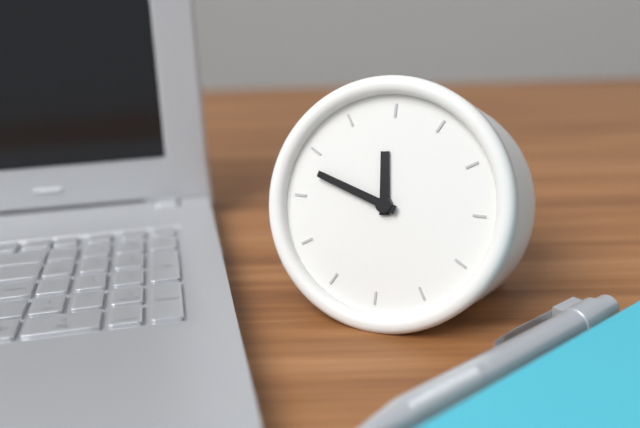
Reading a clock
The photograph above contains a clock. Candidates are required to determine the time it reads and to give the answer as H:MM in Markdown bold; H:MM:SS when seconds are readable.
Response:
**11:48**
